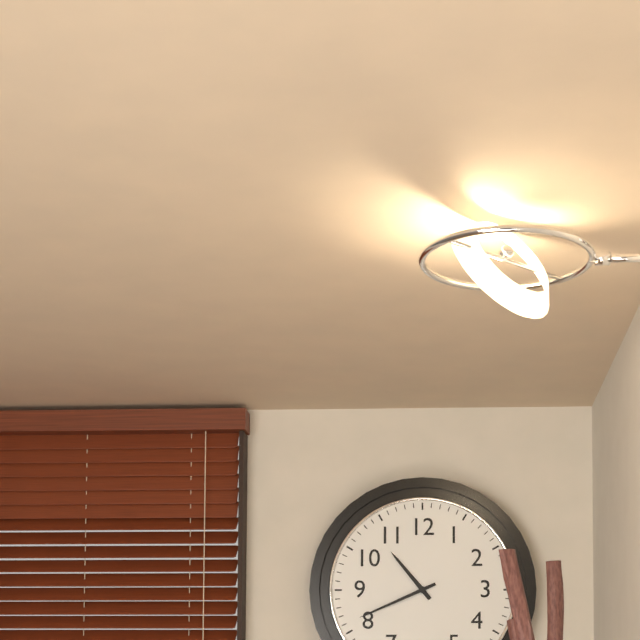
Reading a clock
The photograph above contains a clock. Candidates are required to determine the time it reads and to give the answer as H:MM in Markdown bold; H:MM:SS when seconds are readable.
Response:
**10:41**
